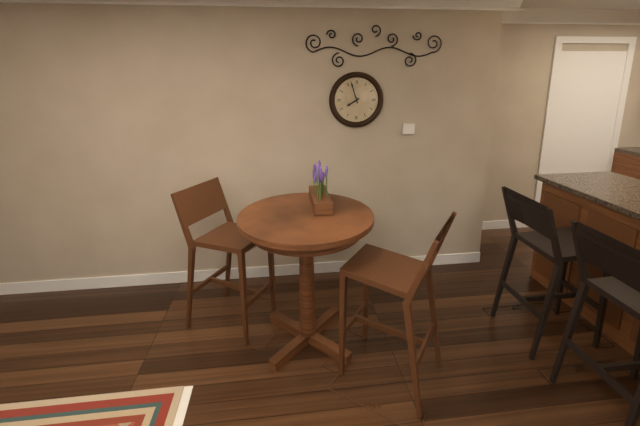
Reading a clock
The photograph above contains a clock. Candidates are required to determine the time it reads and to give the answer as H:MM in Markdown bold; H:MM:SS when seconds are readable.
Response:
**7:57**
